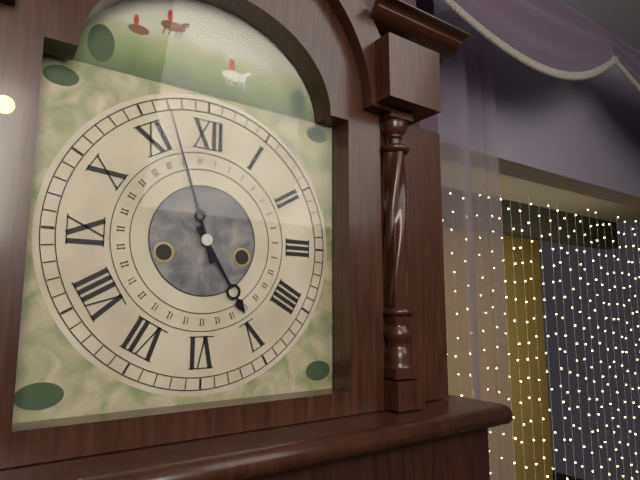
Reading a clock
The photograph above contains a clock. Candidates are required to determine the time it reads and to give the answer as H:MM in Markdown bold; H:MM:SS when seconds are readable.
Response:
**4:57**
